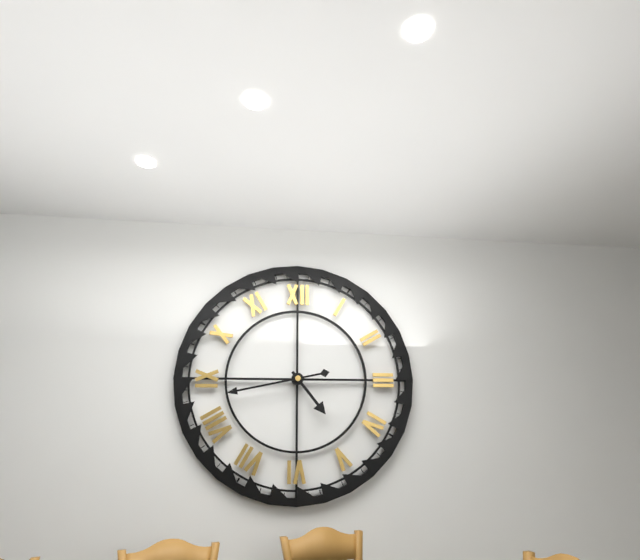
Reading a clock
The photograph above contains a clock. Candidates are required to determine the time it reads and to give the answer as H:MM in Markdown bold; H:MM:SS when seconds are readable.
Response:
**4:43**
